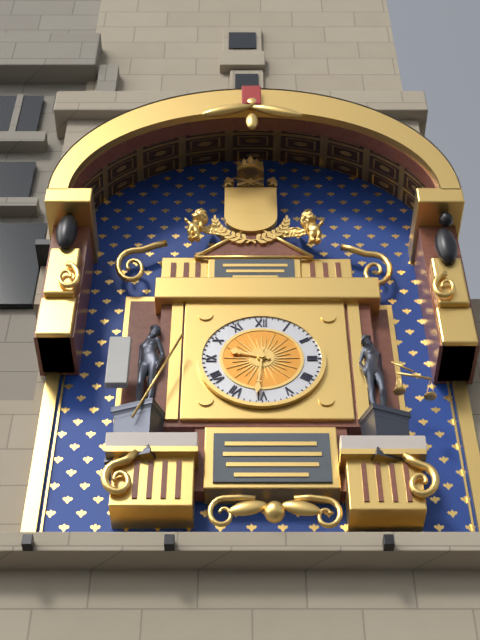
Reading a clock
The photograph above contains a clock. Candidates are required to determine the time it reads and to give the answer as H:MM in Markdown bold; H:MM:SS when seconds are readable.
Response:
**9:31**
